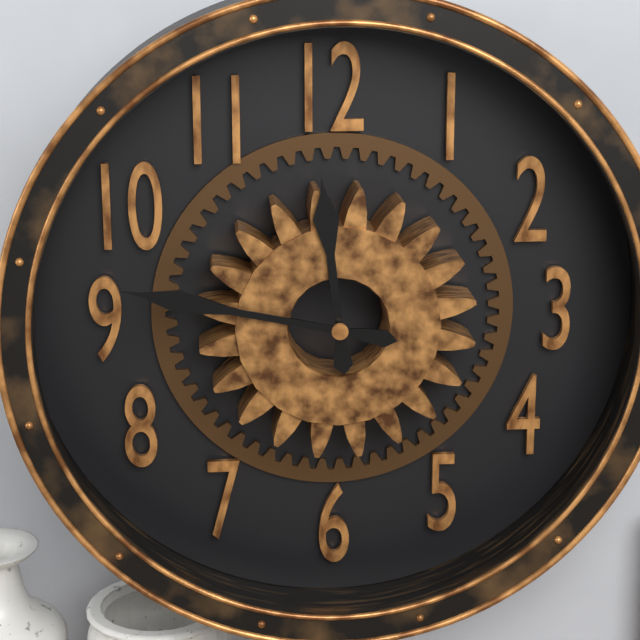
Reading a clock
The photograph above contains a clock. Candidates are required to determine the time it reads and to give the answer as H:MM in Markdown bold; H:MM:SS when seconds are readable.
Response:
**11:47**
